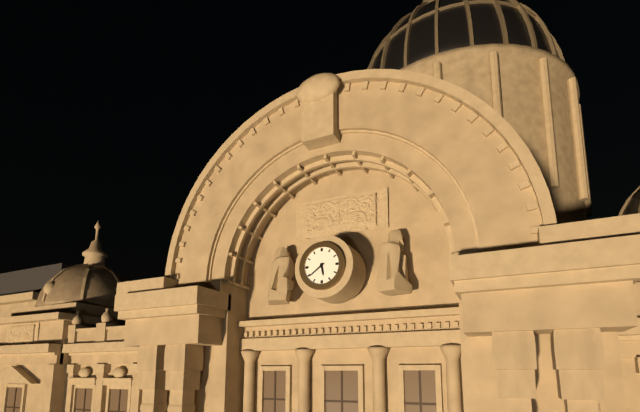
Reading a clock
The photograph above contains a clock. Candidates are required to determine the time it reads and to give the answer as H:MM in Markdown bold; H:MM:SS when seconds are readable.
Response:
**5:39**
